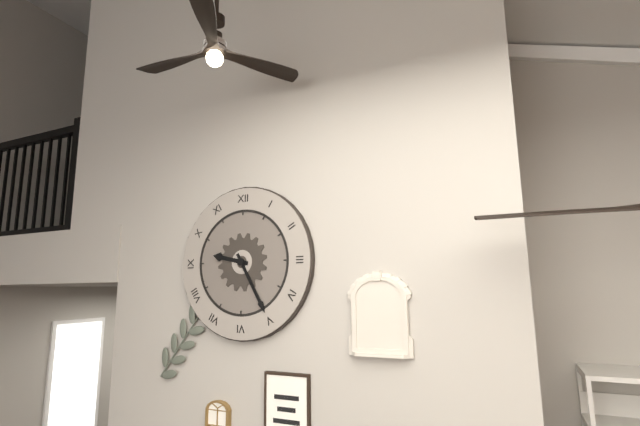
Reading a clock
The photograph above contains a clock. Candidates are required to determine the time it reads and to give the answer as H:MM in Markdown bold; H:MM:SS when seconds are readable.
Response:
**9:25**
